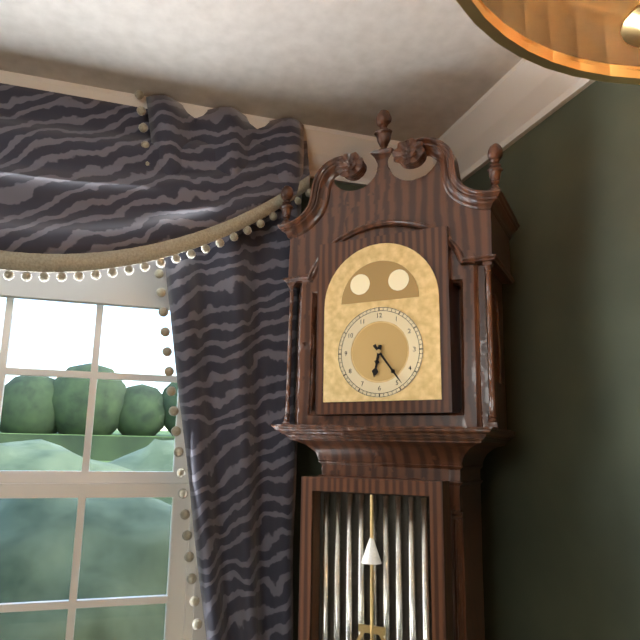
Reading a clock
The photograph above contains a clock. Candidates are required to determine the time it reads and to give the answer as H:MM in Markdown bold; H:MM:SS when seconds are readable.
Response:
**6:24**
